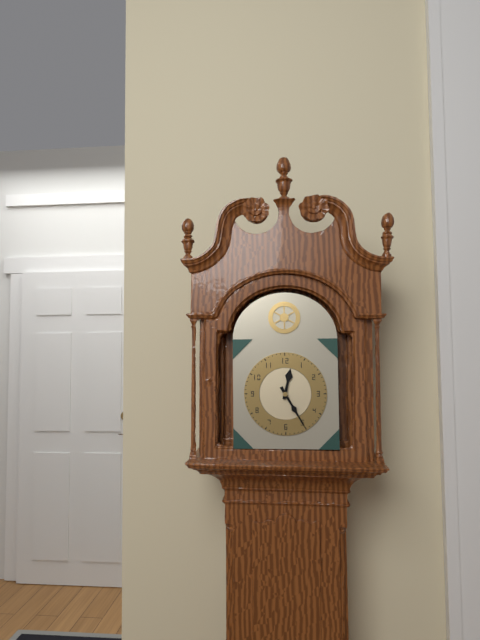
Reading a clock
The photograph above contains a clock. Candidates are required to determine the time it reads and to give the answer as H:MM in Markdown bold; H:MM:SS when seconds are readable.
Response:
**12:25**
